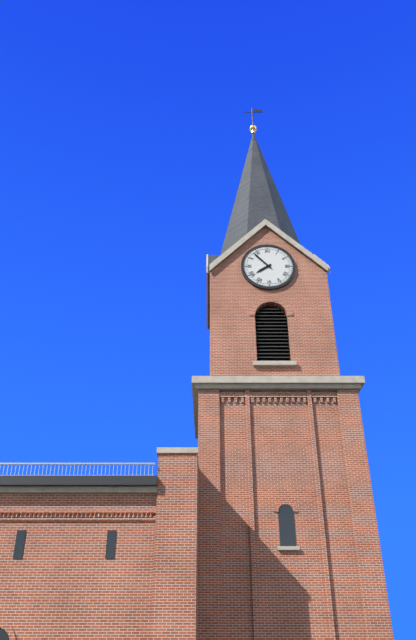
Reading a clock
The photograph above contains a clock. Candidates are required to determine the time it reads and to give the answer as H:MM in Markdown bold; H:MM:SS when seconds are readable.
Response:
**7:53**
